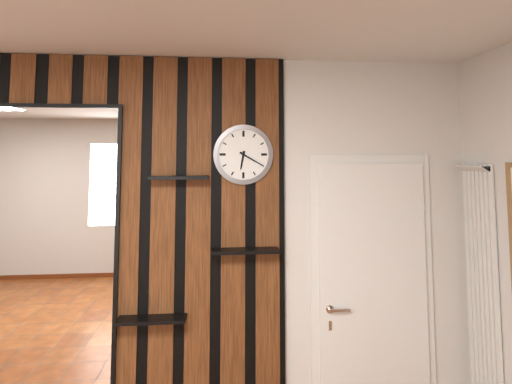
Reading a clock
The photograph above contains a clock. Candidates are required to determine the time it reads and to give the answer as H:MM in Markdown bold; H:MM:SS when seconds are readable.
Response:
**6:20**
